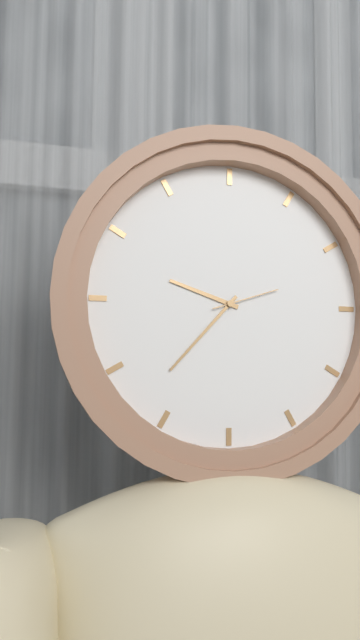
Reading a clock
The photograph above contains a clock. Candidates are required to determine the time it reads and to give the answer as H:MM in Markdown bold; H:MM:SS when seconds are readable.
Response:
**9:37:12**
